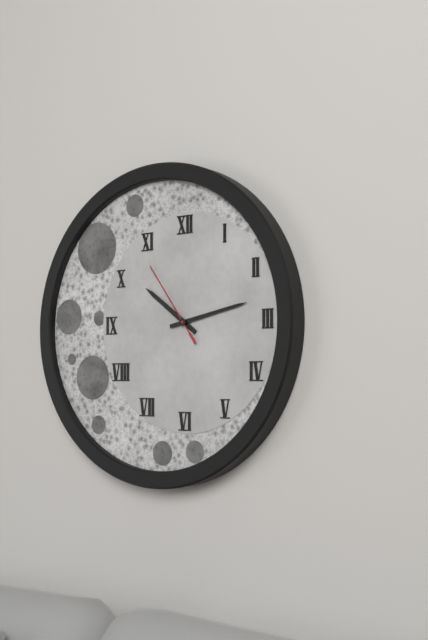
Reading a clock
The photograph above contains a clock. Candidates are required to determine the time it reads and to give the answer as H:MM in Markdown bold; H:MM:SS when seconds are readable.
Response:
**10:13:54**
